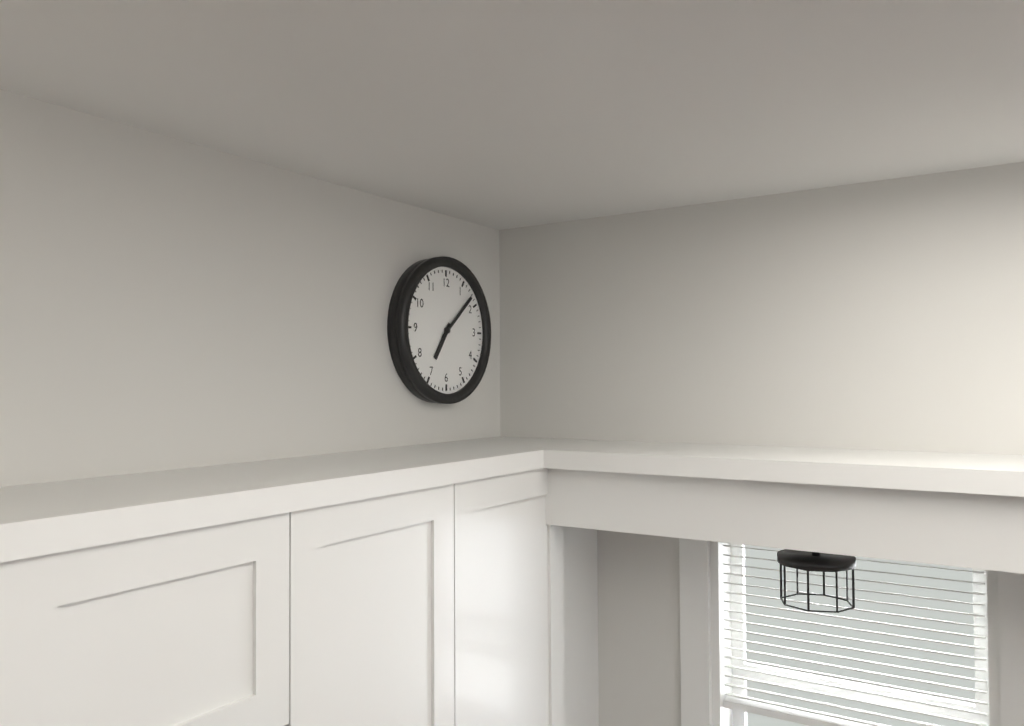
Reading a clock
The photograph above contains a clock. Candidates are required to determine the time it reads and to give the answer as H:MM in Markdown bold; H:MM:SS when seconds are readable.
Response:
**7:08**
